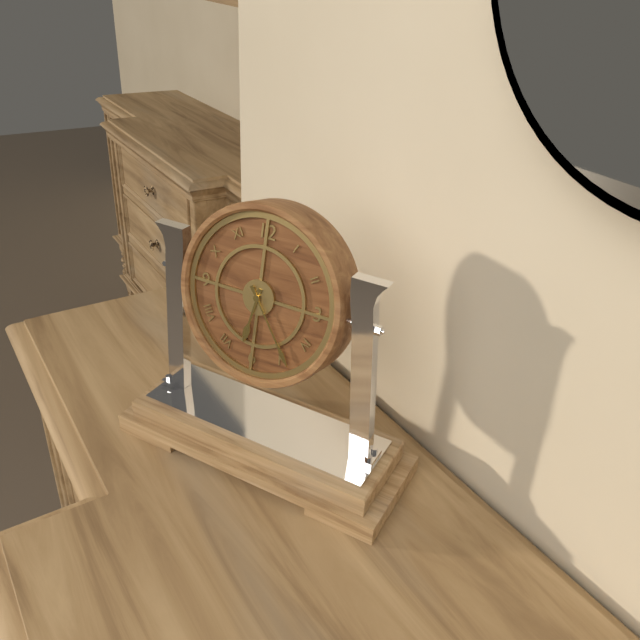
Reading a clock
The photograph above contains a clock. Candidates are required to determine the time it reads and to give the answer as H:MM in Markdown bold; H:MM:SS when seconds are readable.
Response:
**6:24**
